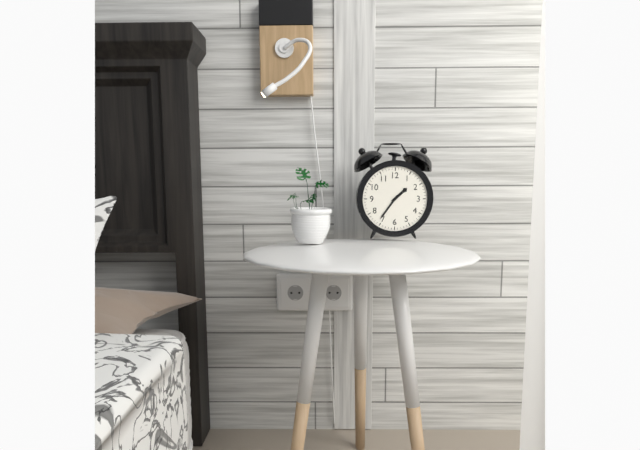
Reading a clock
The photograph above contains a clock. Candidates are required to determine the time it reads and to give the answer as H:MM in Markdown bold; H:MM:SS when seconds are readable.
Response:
**1:36**
